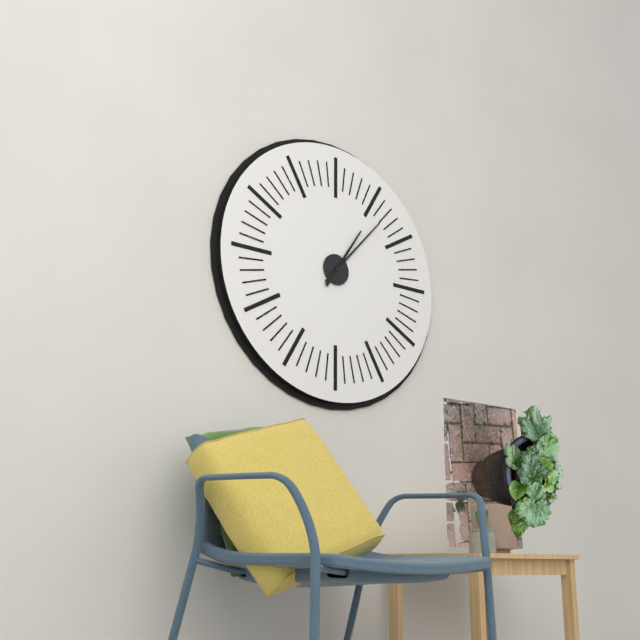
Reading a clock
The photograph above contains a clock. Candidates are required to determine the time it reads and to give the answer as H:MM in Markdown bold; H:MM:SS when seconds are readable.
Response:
**1:07**
